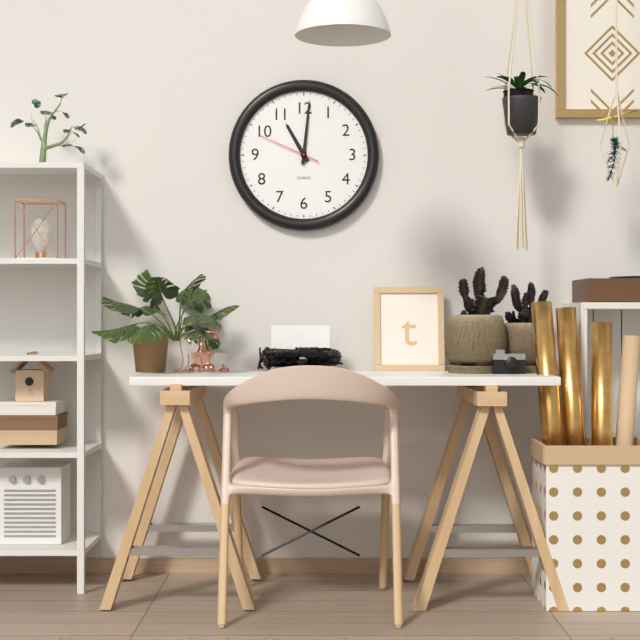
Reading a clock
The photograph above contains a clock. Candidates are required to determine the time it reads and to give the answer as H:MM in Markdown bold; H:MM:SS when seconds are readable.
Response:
**11:01:49**
